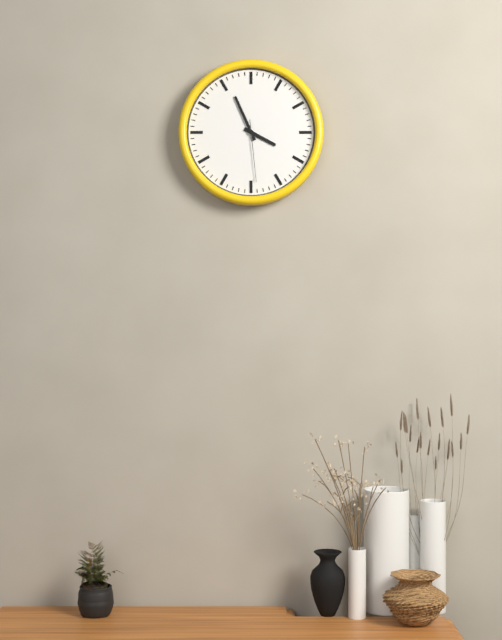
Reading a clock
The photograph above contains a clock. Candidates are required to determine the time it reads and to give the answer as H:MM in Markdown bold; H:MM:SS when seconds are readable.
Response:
**3:56:29**
